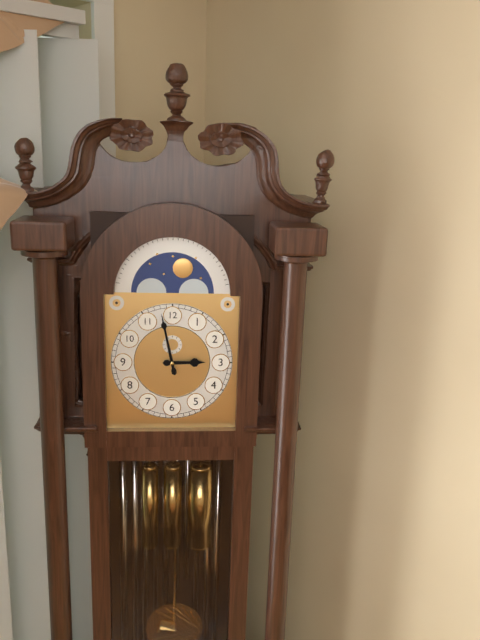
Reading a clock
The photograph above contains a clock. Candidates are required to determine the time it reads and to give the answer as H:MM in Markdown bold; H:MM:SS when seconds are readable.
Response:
**2:58**
